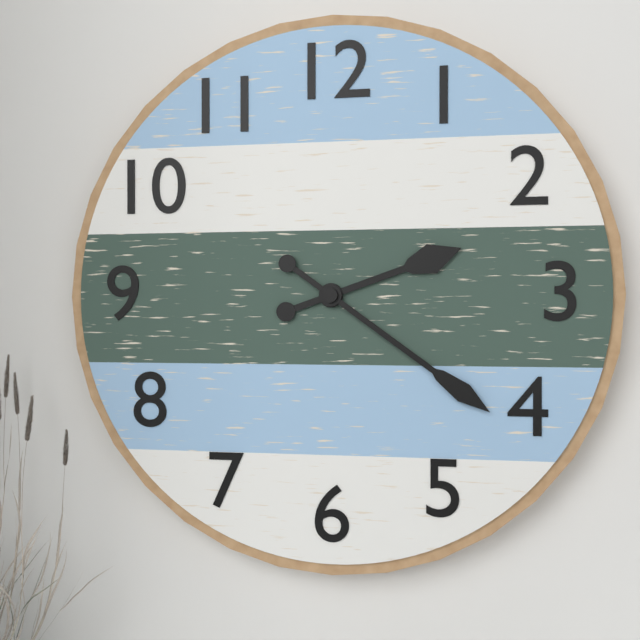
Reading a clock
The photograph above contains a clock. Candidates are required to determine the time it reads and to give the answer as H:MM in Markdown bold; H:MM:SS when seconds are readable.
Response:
**2:21**
